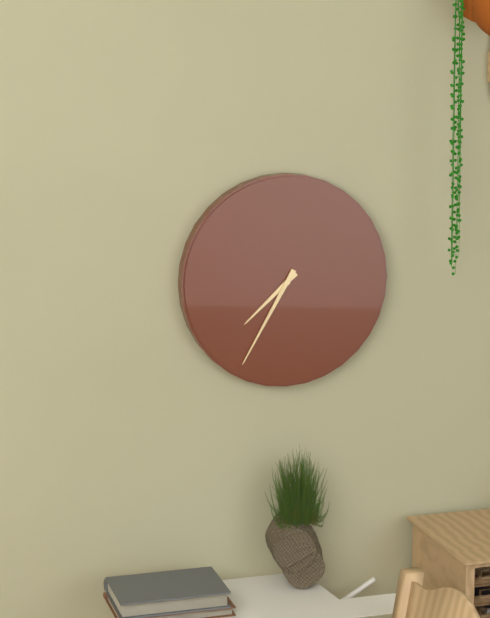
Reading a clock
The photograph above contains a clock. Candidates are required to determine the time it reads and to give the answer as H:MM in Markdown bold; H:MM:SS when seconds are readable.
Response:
**7:35**
